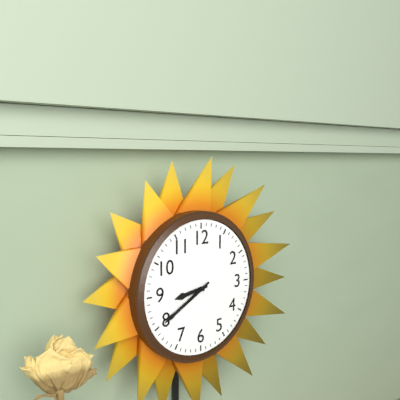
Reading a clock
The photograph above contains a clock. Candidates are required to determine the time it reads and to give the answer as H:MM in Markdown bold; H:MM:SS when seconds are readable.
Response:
**8:40**
